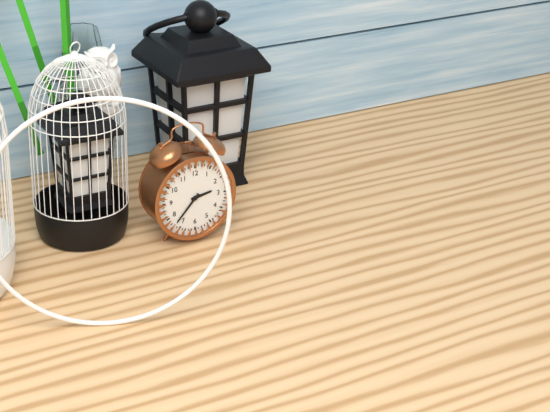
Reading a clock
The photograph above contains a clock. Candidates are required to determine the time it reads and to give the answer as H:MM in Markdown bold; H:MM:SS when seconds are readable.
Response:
**2:37**
